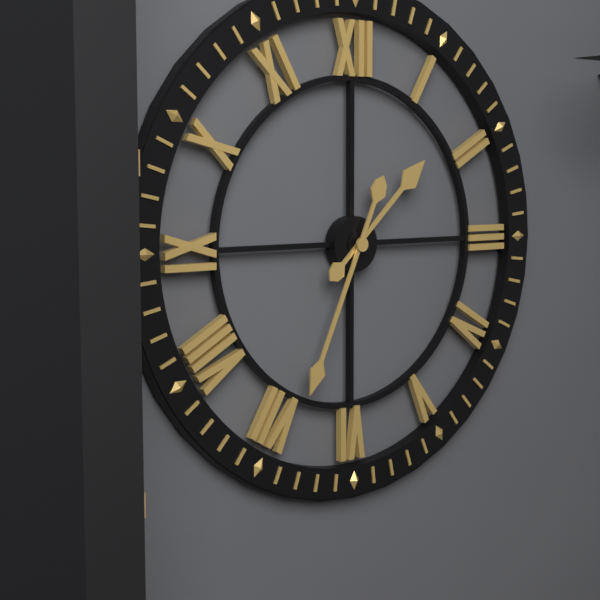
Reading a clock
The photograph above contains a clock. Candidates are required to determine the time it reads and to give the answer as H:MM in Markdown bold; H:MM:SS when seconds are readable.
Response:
**1:34**
